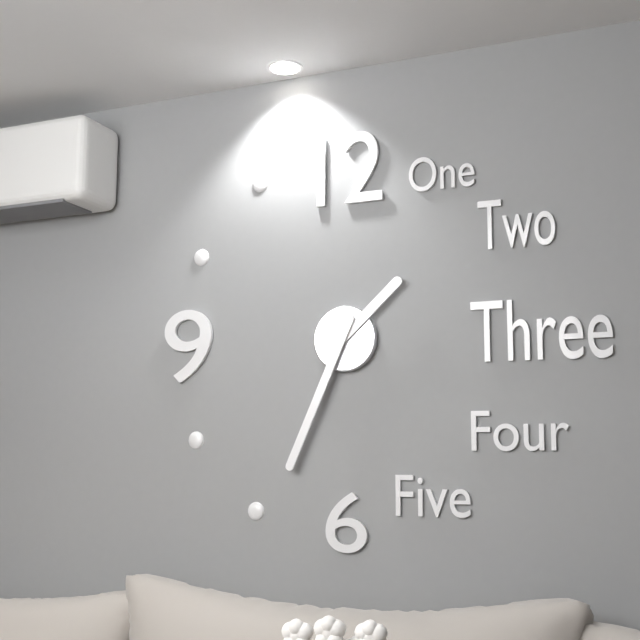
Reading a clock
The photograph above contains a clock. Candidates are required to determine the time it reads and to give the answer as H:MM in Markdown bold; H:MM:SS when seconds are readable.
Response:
**1:34**
